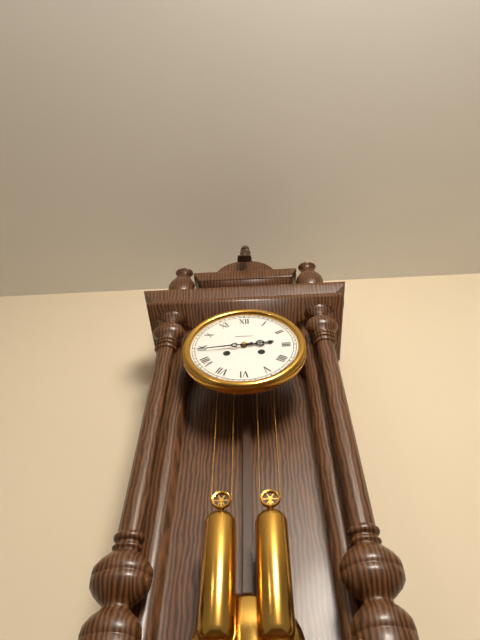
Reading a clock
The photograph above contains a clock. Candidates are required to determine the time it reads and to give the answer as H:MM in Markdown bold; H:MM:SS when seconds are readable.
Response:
**2:44**
